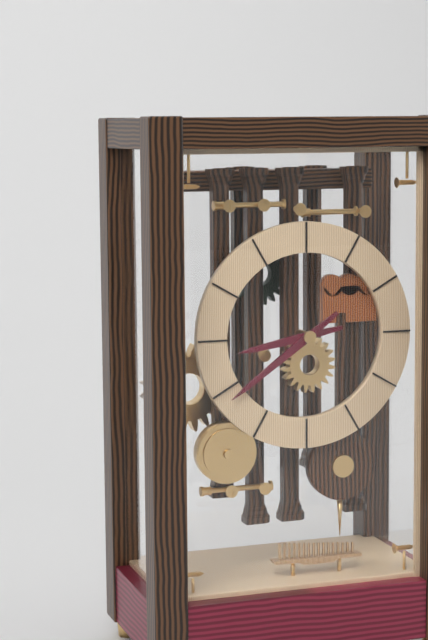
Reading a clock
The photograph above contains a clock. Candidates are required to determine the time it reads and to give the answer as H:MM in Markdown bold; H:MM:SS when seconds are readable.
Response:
**8:39**
